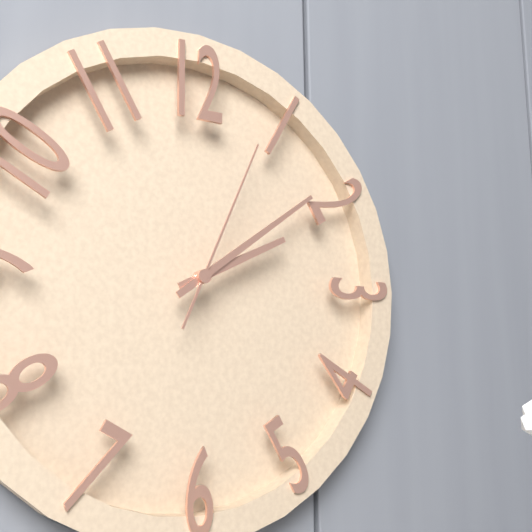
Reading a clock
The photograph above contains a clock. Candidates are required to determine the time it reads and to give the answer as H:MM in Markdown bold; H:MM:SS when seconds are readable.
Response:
**2:09:04**
